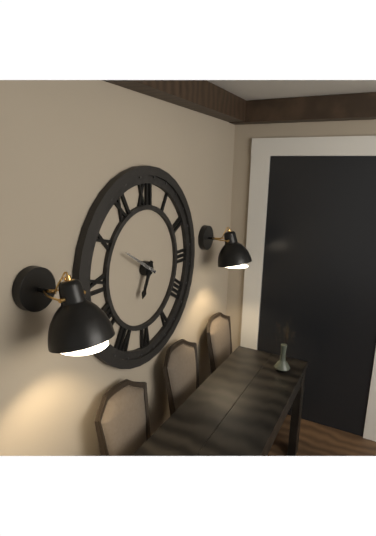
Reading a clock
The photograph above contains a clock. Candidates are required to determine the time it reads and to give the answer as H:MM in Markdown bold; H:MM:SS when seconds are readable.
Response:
**6:50**
